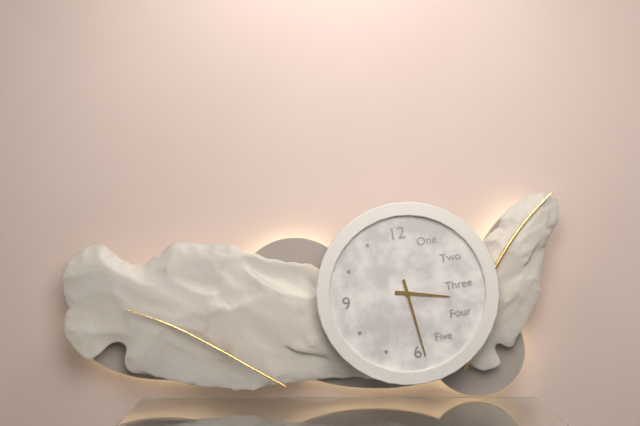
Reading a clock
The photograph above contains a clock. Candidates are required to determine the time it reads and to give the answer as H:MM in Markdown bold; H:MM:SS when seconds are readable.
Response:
**3:29**
